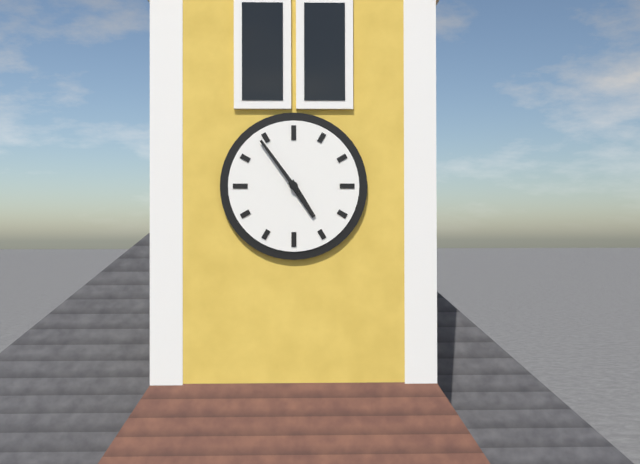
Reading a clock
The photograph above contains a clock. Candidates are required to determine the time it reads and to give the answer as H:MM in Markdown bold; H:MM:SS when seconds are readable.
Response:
**4:54**
